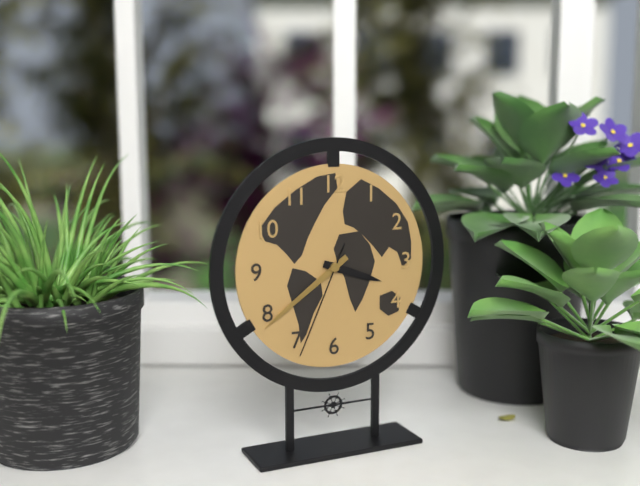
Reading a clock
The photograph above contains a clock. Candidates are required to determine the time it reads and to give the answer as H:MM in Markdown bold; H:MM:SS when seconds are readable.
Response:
**3:39:34**
